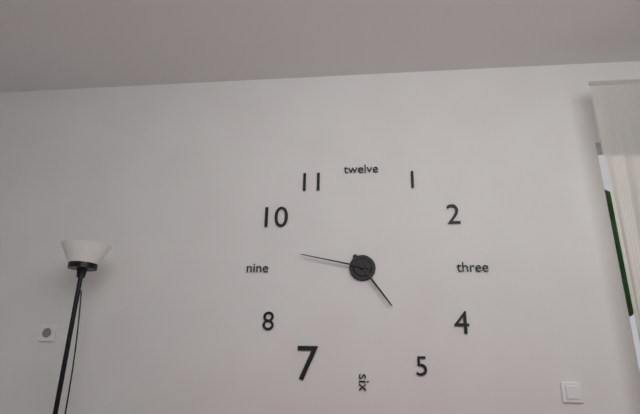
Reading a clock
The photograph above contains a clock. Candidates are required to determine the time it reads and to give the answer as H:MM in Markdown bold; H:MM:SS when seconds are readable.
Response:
**4:47**
